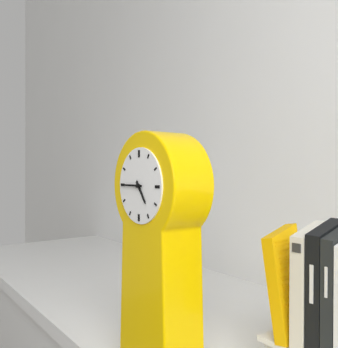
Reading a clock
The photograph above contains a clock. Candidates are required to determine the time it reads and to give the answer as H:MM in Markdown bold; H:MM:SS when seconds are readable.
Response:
**4:45**
